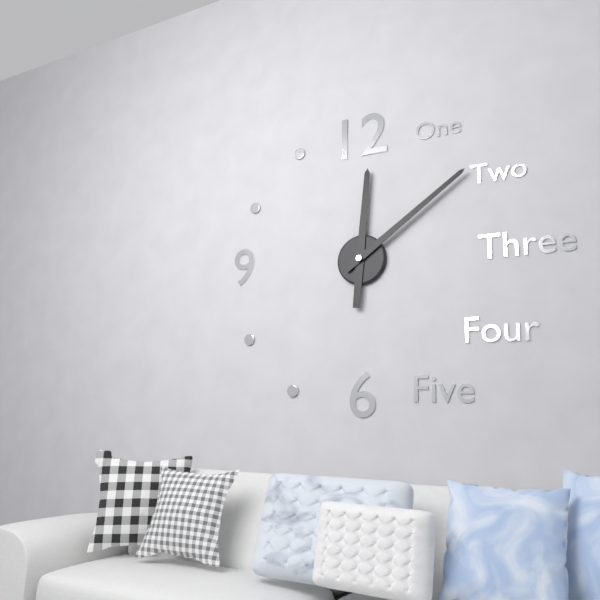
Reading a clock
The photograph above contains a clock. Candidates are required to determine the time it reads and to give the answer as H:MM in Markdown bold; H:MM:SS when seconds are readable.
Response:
**12:09**
